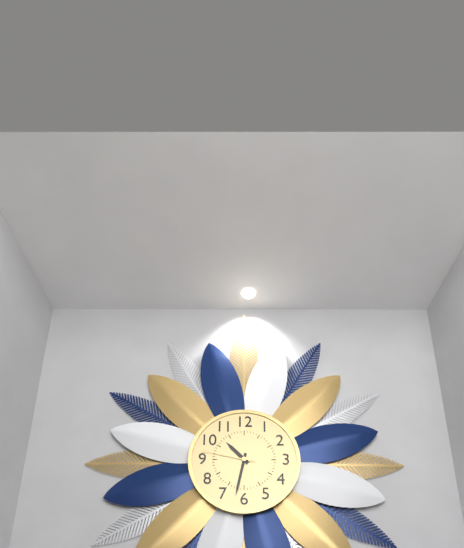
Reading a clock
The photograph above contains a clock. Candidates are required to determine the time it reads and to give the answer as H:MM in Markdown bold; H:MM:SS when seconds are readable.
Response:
**10:32:47**
